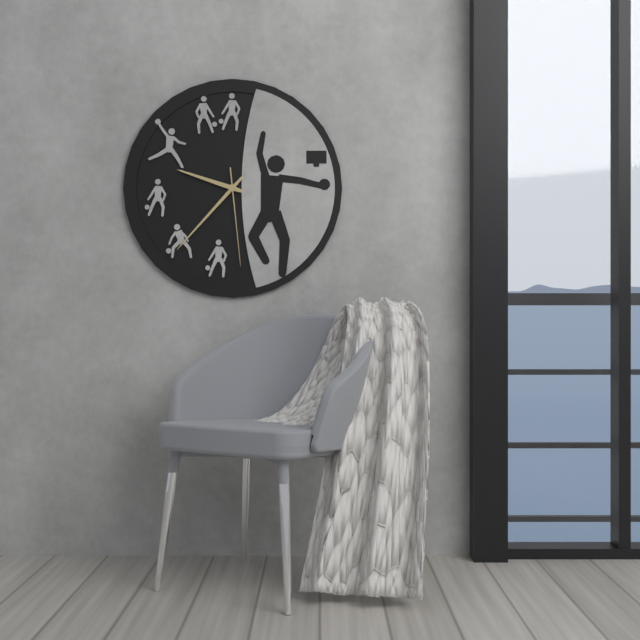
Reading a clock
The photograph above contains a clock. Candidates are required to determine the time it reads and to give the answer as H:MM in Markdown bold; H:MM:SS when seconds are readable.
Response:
**9:37:29**
